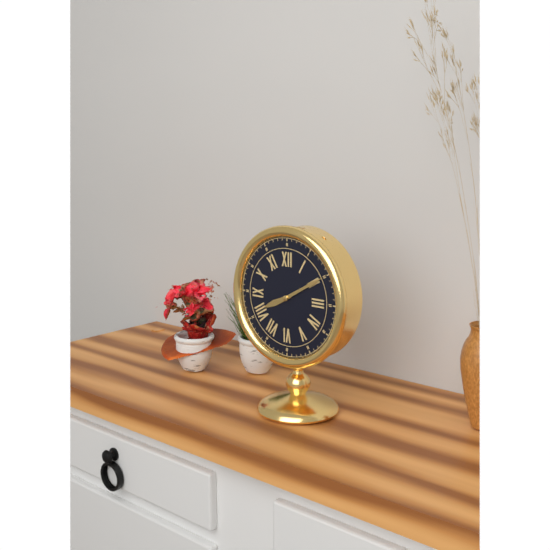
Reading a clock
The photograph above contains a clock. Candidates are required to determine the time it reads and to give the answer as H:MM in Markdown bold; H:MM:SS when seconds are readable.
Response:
**8:10**
